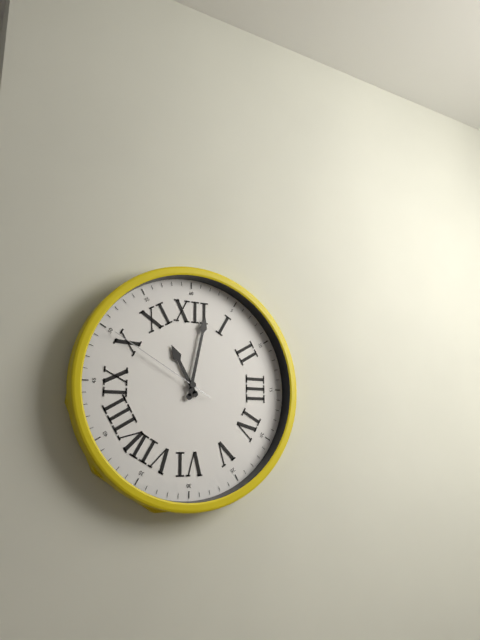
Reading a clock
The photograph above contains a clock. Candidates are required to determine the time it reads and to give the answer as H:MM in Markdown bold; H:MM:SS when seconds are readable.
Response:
**11:02:50**
